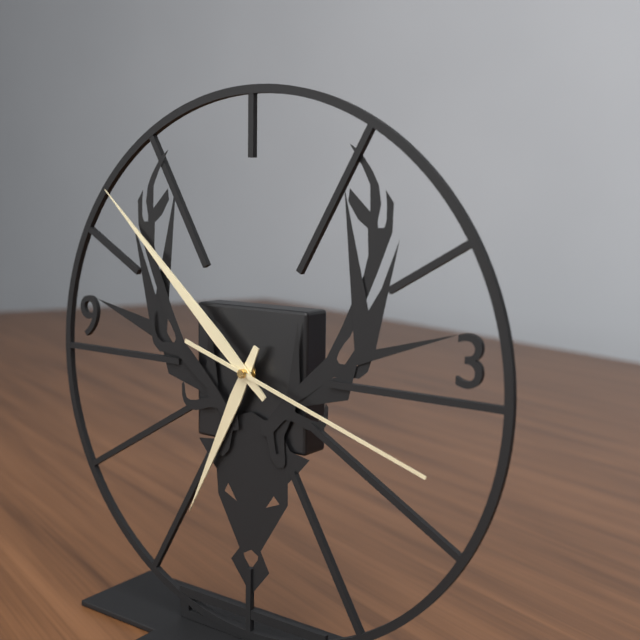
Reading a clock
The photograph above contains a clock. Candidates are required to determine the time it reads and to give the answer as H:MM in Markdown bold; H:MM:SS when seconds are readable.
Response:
**6:52:18**
